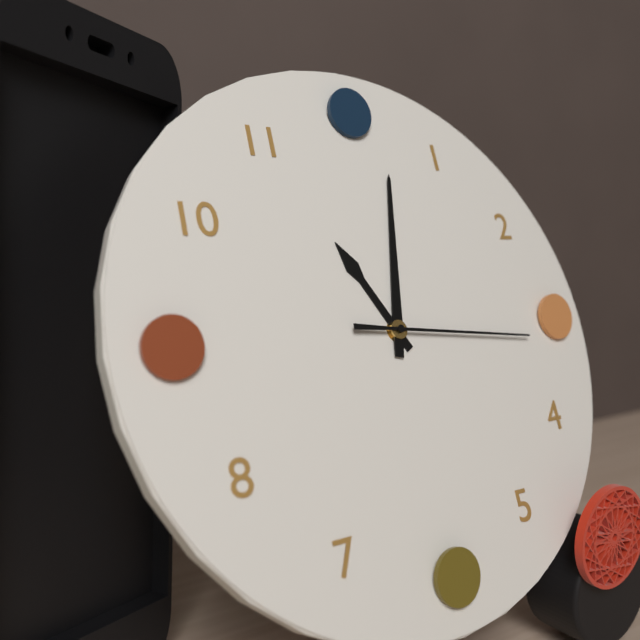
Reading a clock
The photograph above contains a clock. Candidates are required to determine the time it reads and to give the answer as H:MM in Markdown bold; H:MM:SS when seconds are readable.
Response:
**11:02:16**
